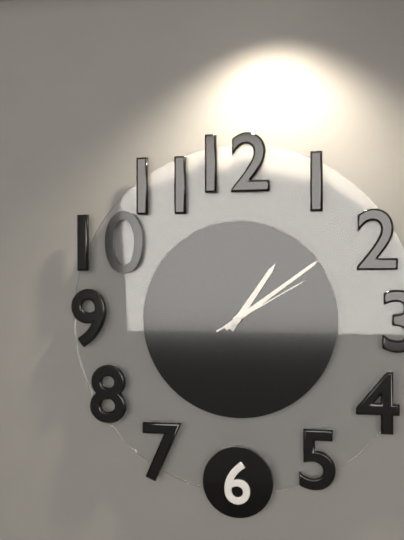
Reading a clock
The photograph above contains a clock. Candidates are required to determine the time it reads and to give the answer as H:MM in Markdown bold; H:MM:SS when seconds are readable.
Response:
**1:09:10**
